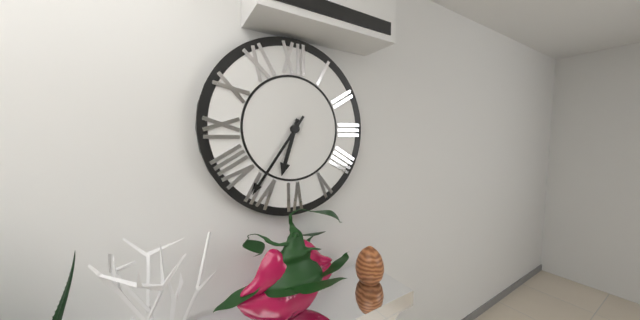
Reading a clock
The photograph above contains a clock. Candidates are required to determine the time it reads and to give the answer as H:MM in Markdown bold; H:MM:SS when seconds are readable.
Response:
**6:36**
